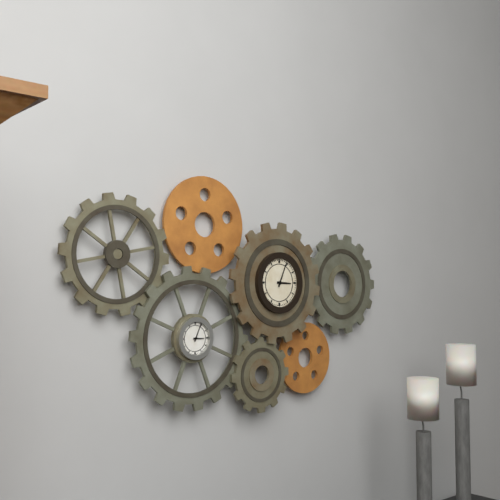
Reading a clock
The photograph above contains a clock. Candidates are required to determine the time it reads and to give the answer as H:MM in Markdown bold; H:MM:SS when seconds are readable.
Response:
**3:04**
